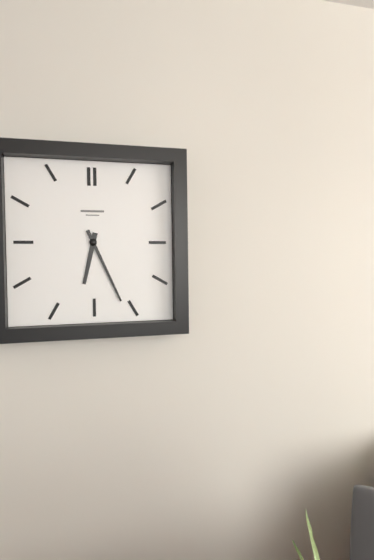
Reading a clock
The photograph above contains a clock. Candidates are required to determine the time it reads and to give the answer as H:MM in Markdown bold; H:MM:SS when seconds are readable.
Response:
**6:26**
